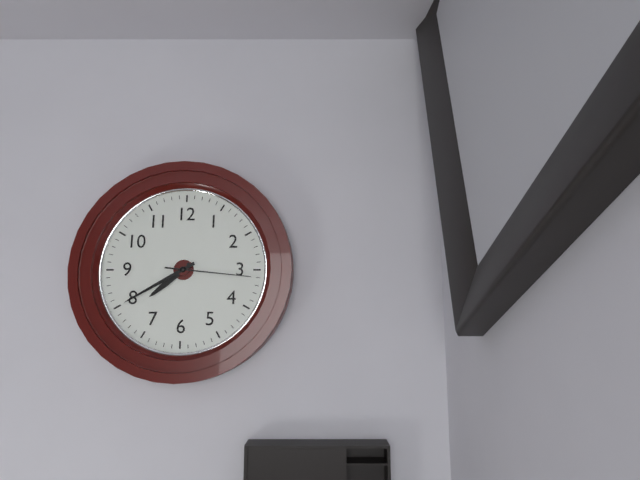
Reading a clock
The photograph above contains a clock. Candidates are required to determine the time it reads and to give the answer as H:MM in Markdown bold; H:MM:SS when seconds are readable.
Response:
**7:40:16**
